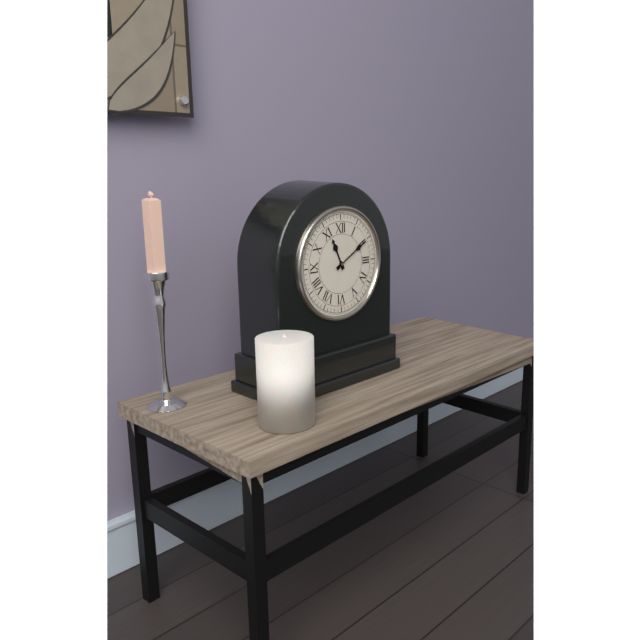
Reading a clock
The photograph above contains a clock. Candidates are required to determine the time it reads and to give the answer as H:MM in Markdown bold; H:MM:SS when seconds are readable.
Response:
**11:10**
